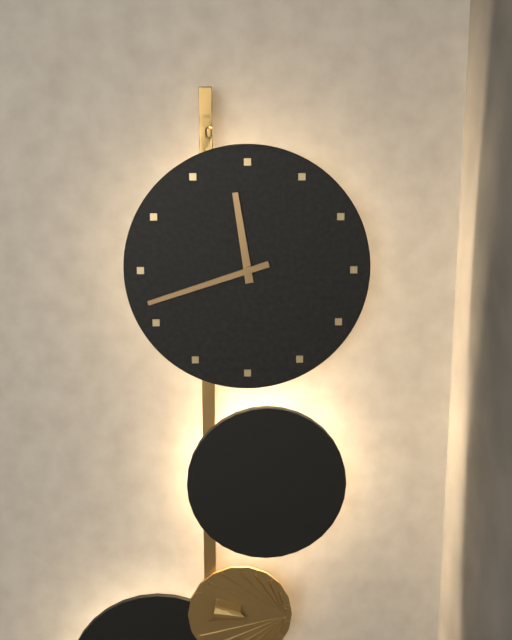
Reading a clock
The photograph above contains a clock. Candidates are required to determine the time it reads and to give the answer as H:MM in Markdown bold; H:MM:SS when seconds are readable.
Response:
**11:42**
